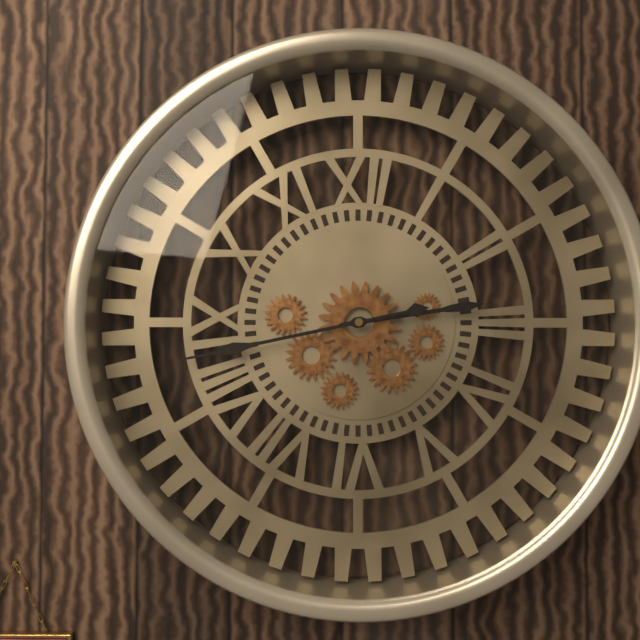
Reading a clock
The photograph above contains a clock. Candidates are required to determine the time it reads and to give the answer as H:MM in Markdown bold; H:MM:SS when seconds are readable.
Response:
**2:43**
